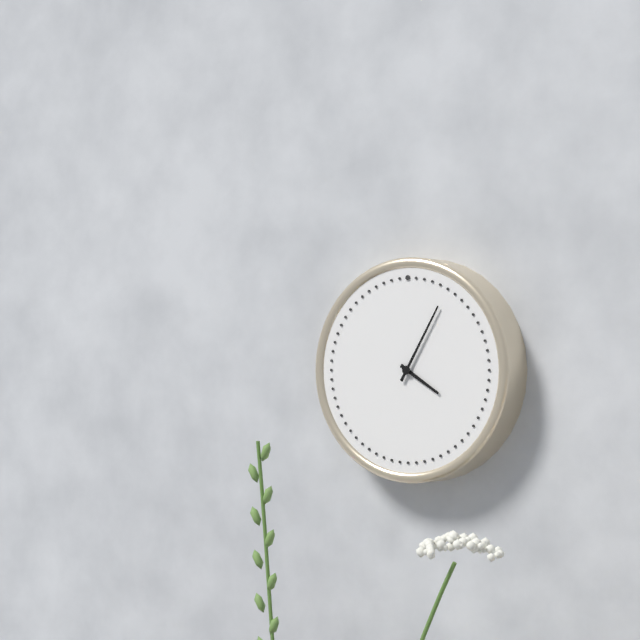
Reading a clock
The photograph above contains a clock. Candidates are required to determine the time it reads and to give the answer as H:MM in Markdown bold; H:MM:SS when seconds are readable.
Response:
**4:05**
